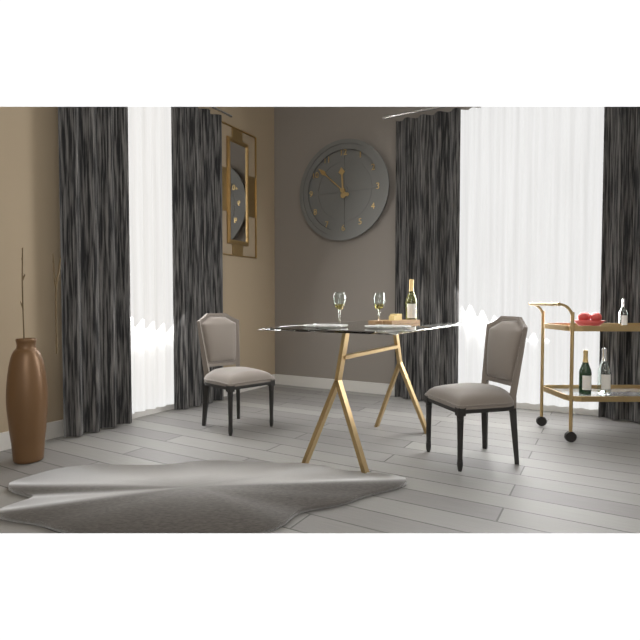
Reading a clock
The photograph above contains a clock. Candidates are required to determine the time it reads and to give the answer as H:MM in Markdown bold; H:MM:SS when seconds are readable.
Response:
**11:52**
